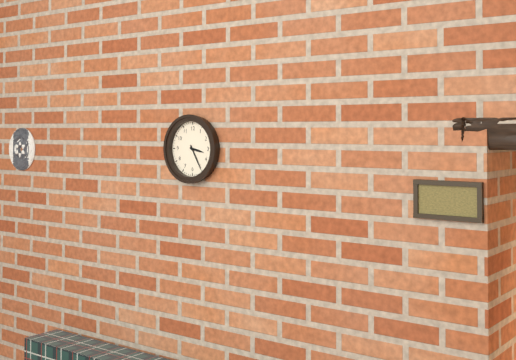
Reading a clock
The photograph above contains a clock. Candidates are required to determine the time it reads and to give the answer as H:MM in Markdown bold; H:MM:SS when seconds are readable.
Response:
**3:25**
